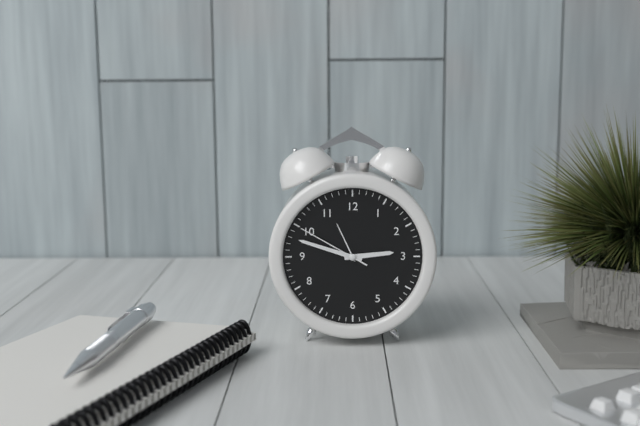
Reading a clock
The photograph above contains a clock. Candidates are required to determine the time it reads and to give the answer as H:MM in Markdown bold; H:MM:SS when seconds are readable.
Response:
**2:48:50**
